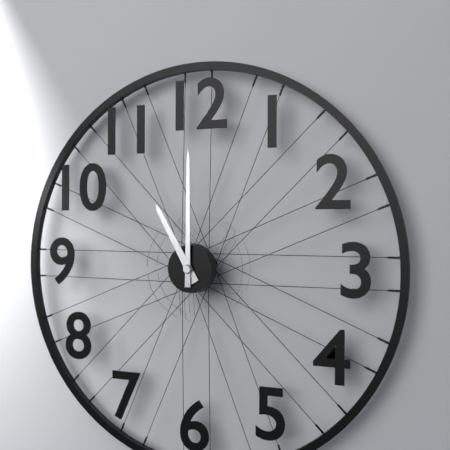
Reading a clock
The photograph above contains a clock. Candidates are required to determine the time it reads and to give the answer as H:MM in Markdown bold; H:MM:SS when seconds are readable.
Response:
**11:00**
